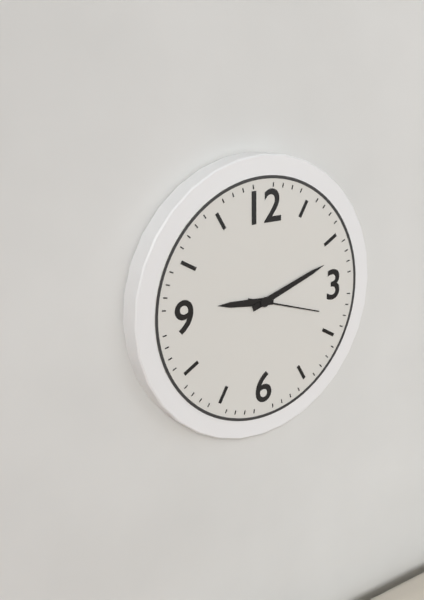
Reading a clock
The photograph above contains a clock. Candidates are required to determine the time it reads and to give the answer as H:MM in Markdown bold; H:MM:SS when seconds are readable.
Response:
**9:12:18**
